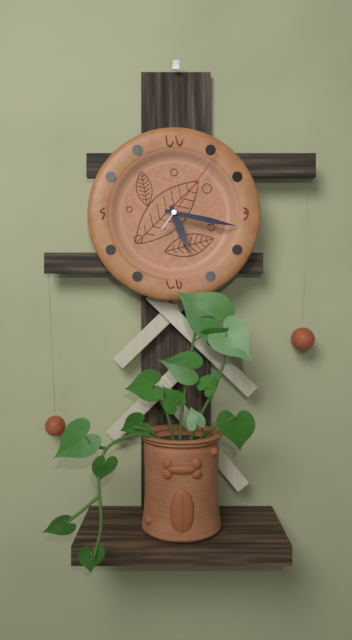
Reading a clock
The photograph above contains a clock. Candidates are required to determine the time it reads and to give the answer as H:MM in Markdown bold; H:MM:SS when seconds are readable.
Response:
**5:17:06**
